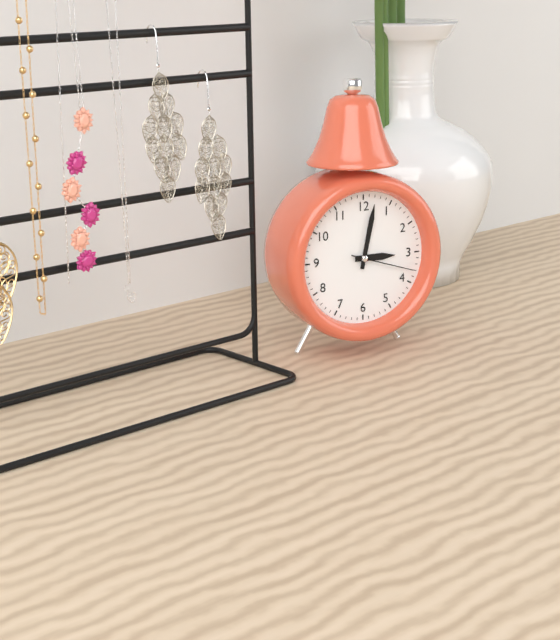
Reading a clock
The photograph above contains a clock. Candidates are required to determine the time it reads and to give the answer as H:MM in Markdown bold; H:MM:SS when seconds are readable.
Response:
**3:02:18**
